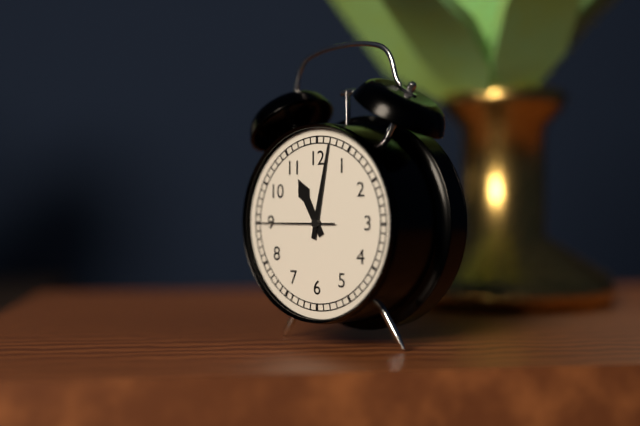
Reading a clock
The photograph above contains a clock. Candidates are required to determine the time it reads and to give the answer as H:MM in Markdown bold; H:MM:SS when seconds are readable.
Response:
**11:02:45**
